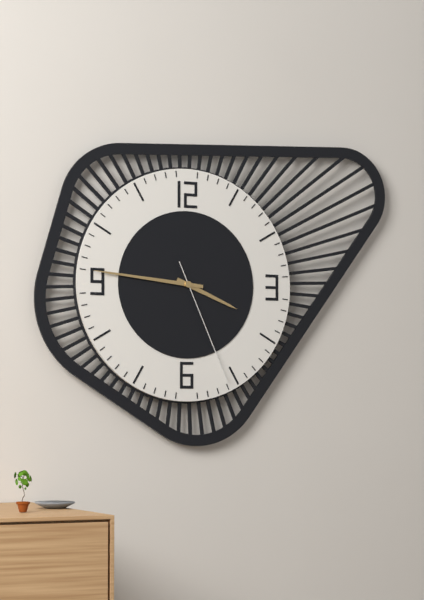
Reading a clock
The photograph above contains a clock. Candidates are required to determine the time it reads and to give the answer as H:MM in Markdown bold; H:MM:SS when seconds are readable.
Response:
**3:46:26**
